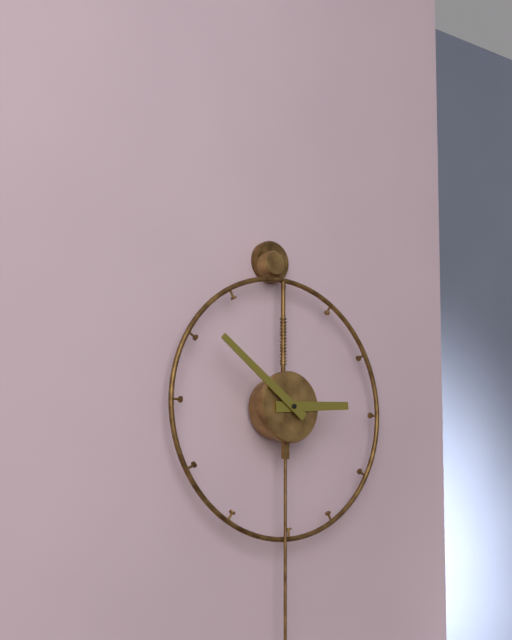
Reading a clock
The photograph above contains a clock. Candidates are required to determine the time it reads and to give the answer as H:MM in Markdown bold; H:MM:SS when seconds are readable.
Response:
**2:51**
